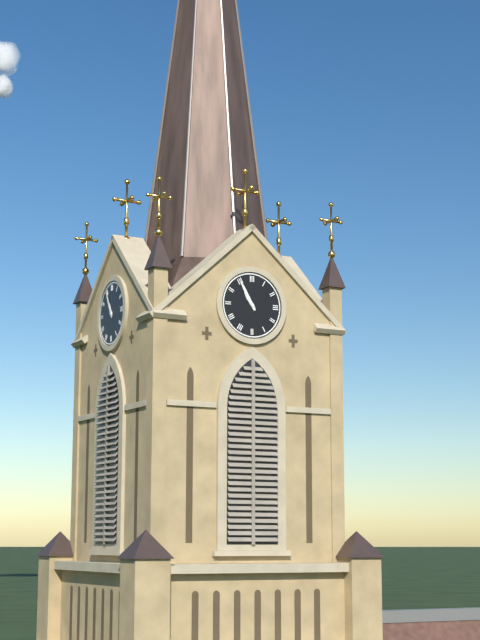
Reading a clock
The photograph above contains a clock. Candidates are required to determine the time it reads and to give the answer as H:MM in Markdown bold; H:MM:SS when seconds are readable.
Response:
**10:55**
